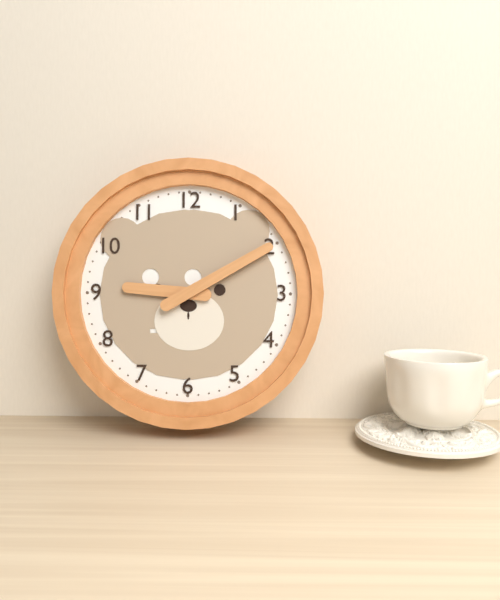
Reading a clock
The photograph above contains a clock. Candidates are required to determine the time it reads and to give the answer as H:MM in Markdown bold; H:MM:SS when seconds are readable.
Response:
**9:10**
